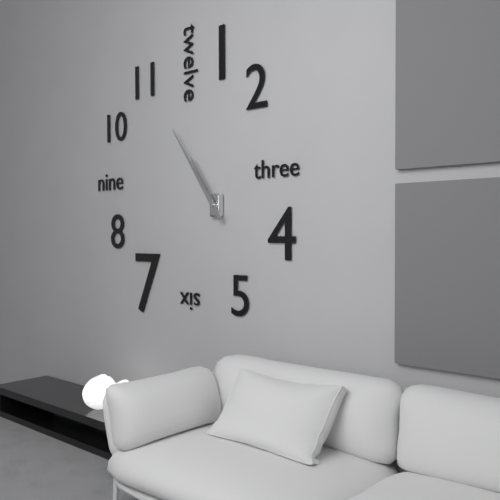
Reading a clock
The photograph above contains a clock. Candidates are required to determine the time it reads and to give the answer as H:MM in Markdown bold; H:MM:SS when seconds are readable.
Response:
**10:54**
